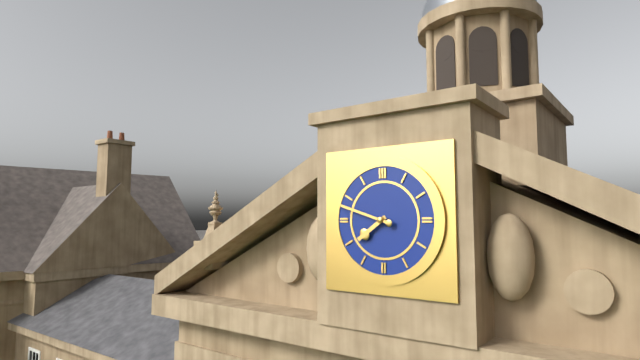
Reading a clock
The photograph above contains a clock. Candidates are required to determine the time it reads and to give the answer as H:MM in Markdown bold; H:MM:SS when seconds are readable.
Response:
**7:48**
